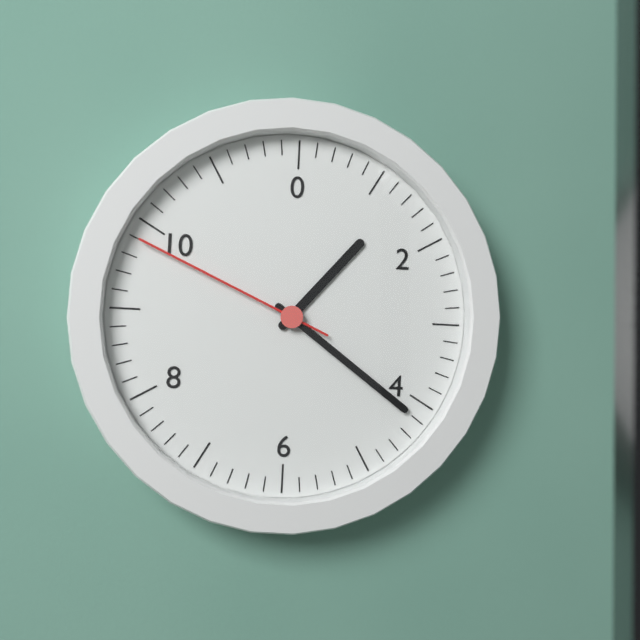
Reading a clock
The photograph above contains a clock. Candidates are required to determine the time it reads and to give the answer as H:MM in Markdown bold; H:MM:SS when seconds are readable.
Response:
**1:21:49**
